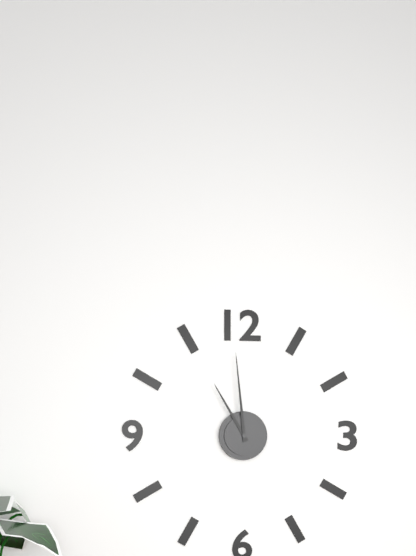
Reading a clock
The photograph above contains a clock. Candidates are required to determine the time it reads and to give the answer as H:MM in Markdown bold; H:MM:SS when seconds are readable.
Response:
**10:59**
